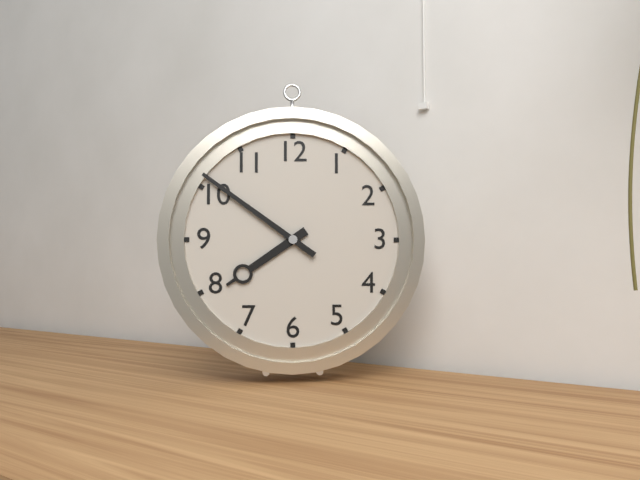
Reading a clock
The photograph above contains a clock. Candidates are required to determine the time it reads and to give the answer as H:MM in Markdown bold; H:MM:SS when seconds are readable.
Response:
**7:51**
